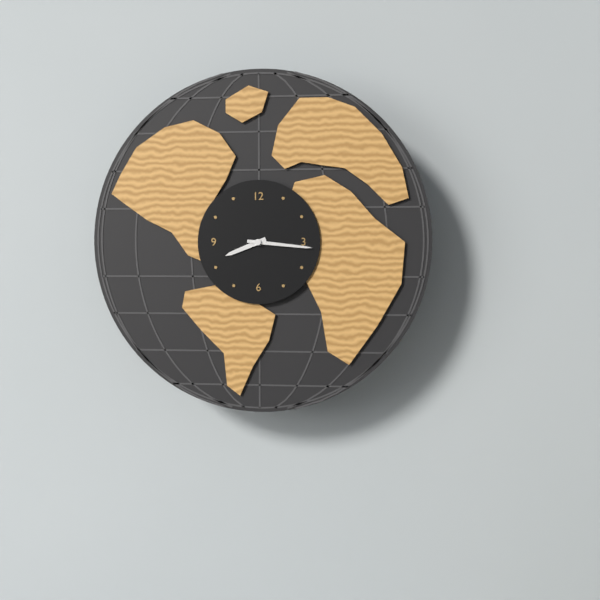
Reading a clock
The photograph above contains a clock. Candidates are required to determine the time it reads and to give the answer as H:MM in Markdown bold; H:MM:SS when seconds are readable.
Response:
**8:16**
